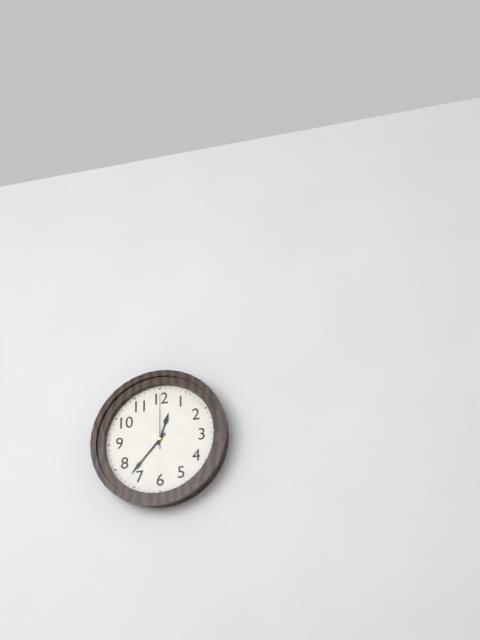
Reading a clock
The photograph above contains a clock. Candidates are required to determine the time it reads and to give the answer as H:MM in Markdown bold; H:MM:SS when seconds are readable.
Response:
**12:37:00**
